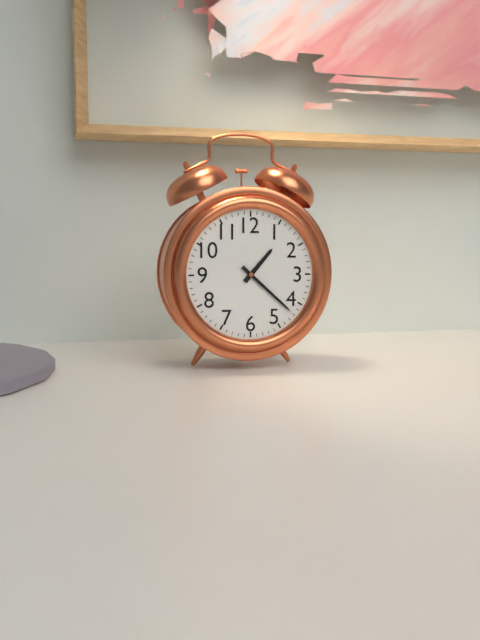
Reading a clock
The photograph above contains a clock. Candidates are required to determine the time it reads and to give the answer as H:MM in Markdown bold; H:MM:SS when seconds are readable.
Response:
**1:22**
